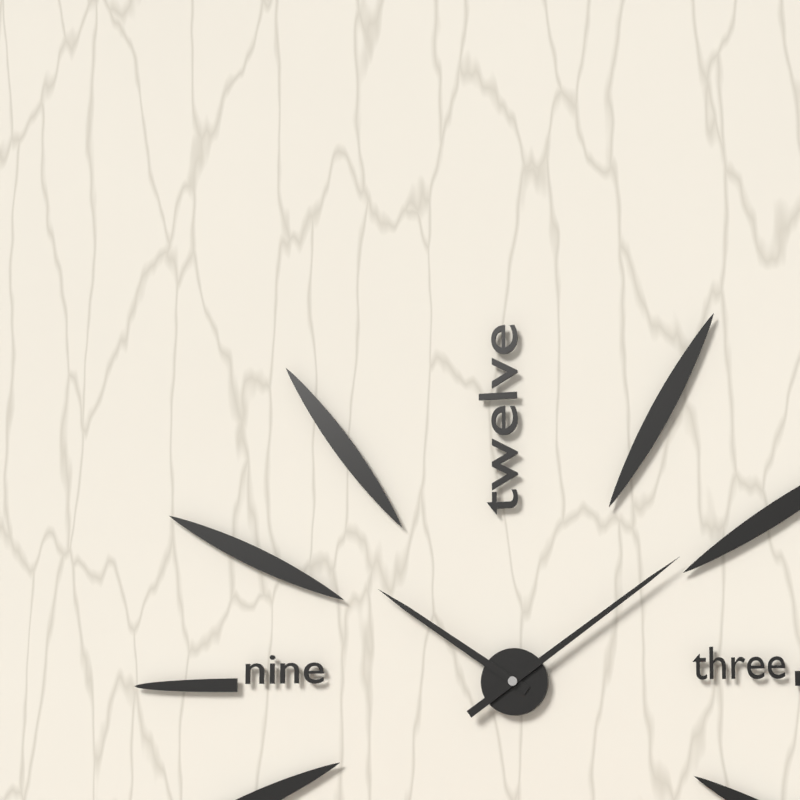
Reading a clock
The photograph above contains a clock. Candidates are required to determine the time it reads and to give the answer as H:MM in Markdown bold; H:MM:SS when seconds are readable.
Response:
**10:09**
